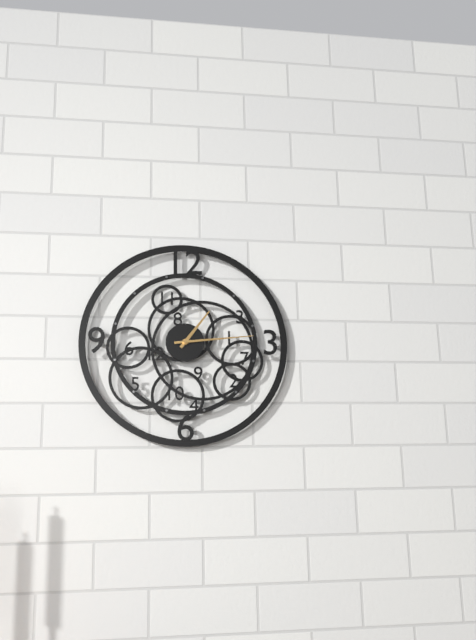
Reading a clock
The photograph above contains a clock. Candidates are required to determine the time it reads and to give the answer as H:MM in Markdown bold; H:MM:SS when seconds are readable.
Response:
**1:14**
